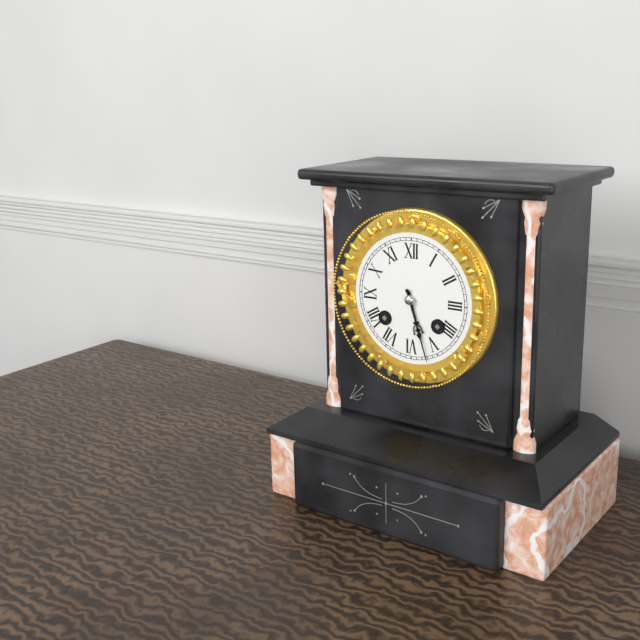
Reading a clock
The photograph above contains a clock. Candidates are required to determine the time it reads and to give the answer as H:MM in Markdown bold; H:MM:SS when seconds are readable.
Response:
**5:27**
